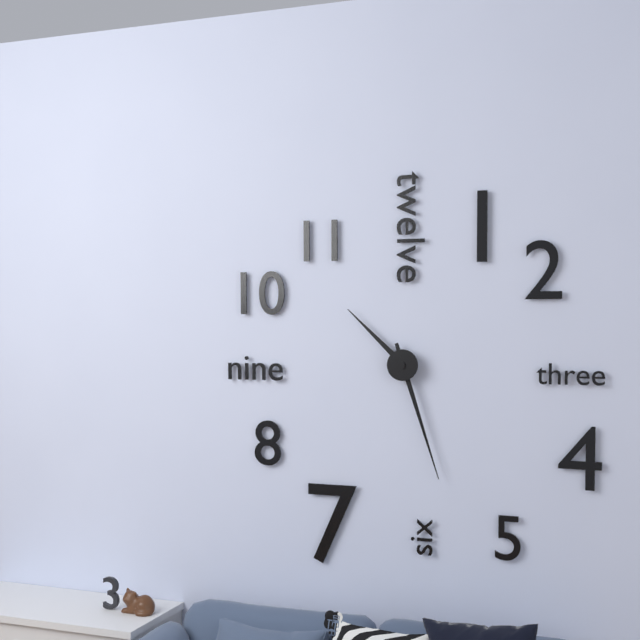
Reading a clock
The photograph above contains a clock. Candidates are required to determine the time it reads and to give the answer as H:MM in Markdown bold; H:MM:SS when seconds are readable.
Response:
**10:27**
